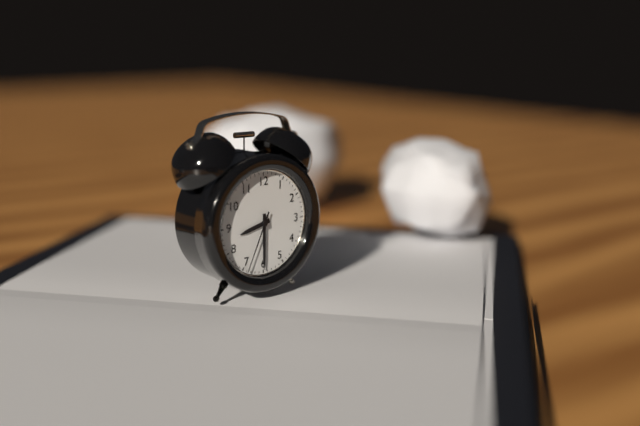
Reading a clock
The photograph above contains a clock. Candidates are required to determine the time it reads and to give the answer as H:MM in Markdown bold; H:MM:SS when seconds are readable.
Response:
**8:30:34**
